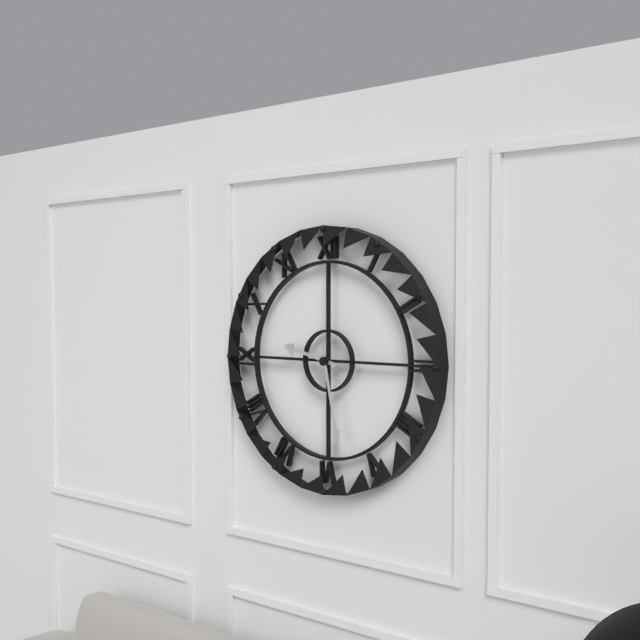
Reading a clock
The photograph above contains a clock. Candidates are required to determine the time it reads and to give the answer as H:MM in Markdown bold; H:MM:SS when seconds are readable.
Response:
**9:28**
